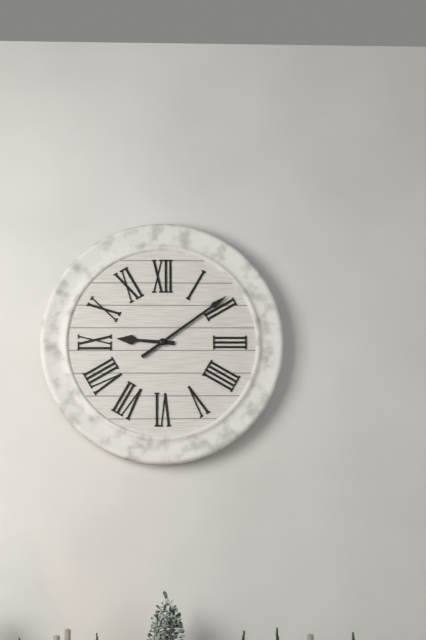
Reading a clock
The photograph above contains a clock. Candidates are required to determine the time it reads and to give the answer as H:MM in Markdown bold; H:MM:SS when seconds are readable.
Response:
**9:09**
